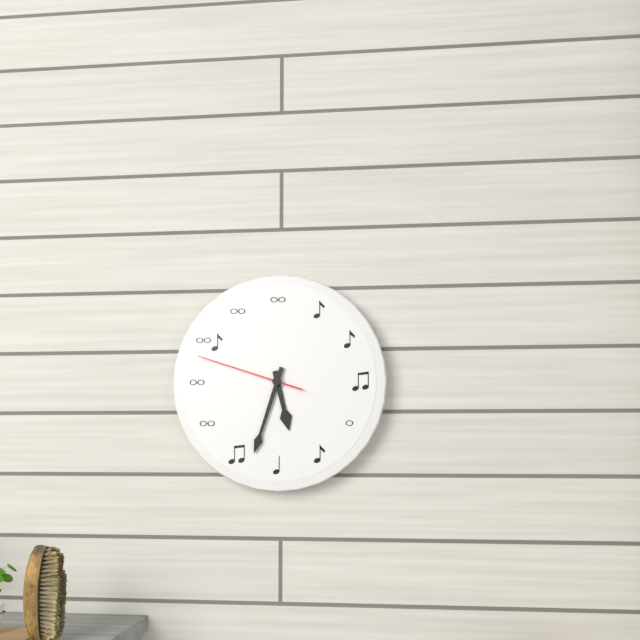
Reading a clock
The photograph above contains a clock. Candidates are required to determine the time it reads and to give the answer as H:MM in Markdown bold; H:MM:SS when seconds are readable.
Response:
**5:33:48**
